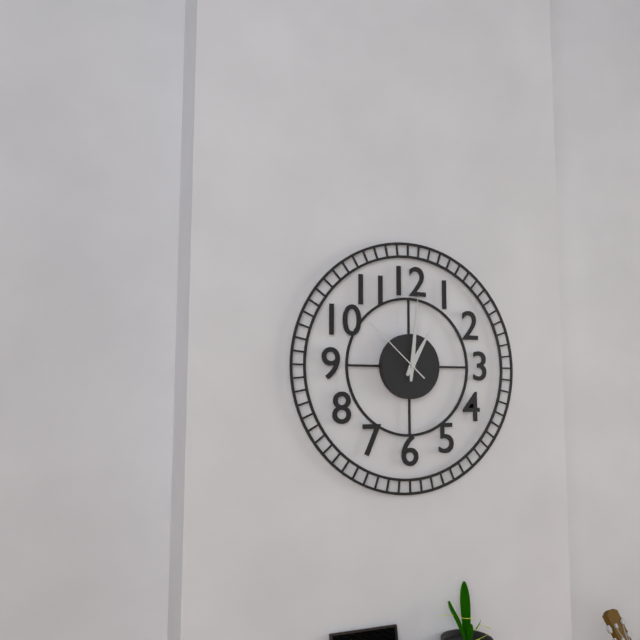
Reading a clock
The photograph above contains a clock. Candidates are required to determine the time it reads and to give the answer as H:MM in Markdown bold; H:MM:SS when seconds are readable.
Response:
**1:01:52**
